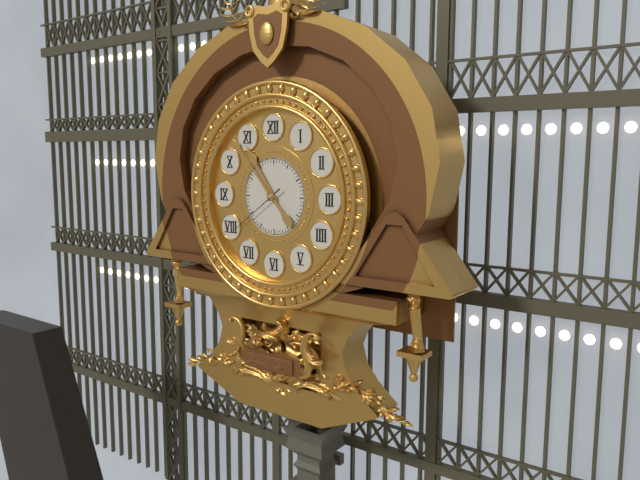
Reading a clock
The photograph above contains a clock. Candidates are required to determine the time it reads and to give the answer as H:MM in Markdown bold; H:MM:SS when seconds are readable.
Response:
**10:53:39**
